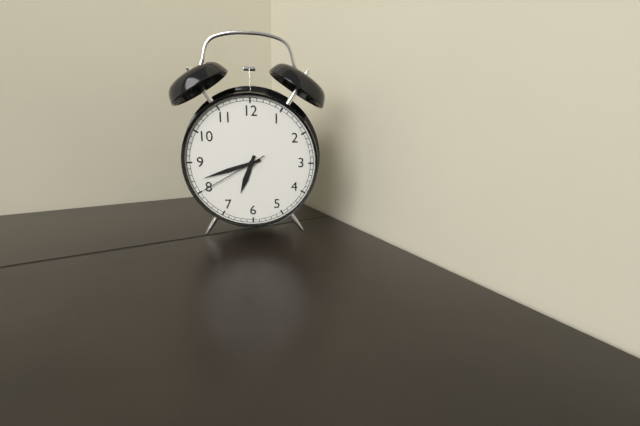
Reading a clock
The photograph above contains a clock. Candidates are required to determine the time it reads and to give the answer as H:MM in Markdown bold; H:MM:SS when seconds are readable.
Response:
**6:42:40**
